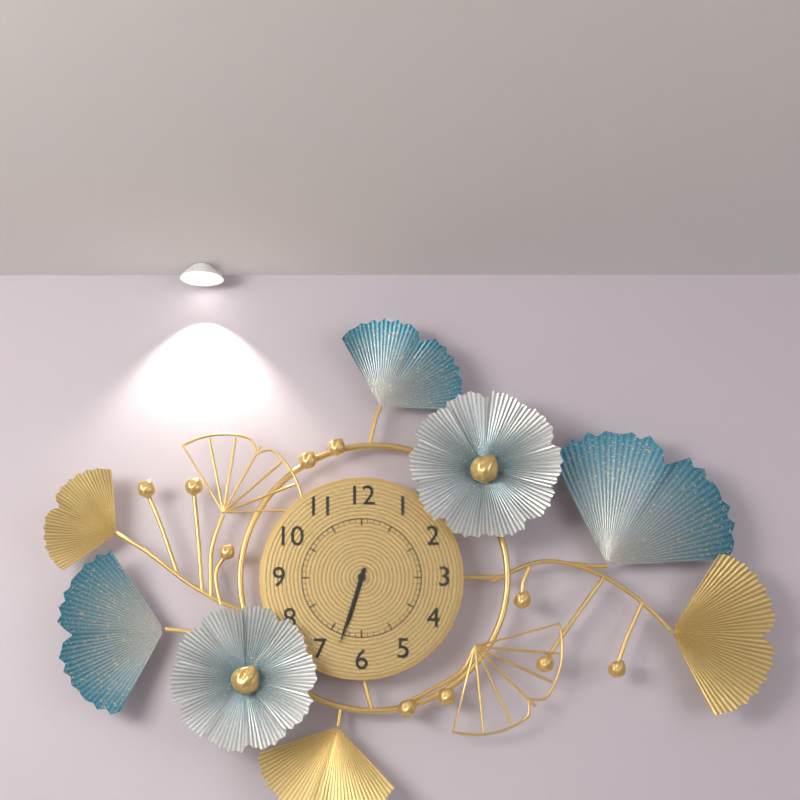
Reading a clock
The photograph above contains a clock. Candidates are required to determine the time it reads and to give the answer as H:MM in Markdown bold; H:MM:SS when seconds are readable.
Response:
**6:33**
